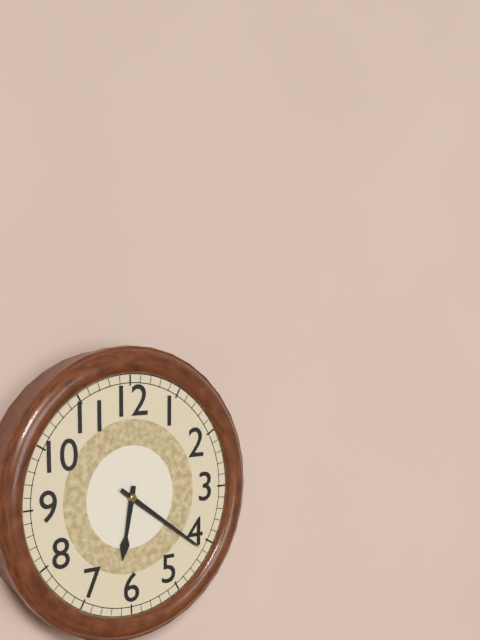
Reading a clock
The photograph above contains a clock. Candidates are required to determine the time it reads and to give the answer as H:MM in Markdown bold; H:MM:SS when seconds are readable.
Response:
**6:21**
